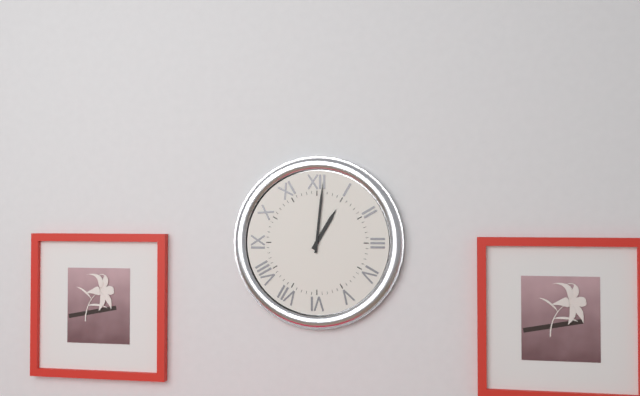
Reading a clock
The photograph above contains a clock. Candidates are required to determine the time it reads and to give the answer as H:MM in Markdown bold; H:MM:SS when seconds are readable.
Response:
**1:01**
